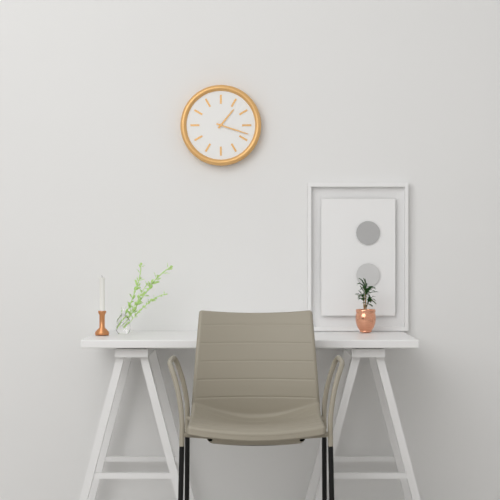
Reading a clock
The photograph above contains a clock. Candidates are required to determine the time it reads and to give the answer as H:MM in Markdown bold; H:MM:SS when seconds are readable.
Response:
**1:18**
